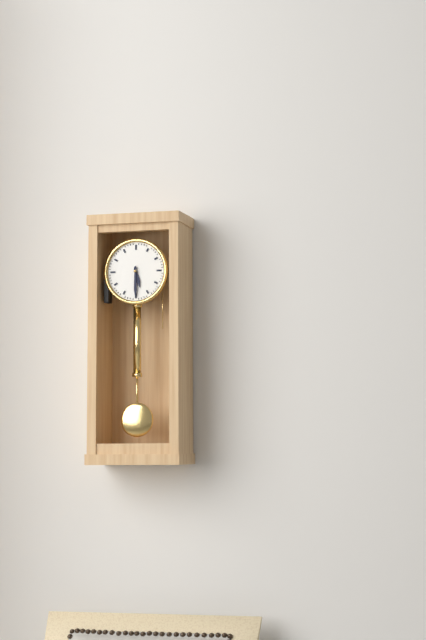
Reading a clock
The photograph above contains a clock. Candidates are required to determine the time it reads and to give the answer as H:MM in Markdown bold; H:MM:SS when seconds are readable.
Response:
**5:30**
